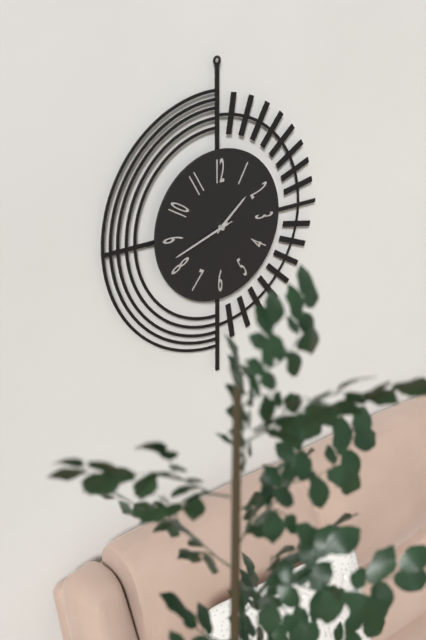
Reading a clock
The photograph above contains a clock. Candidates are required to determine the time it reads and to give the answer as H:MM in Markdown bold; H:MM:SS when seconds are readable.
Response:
**1:42:42**
